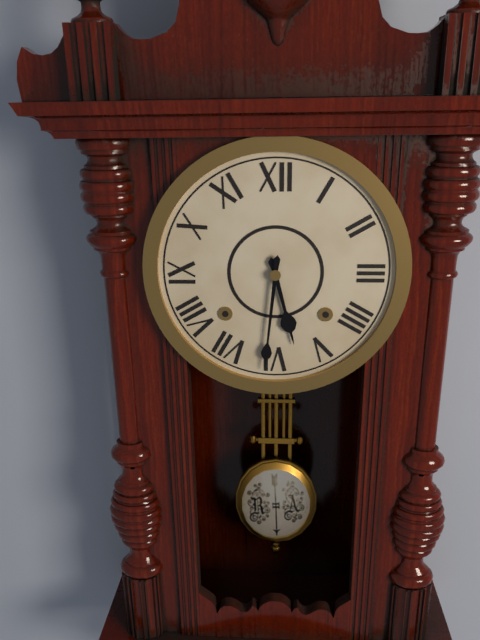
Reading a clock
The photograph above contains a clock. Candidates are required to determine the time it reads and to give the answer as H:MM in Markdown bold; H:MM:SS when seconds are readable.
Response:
**5:31**
